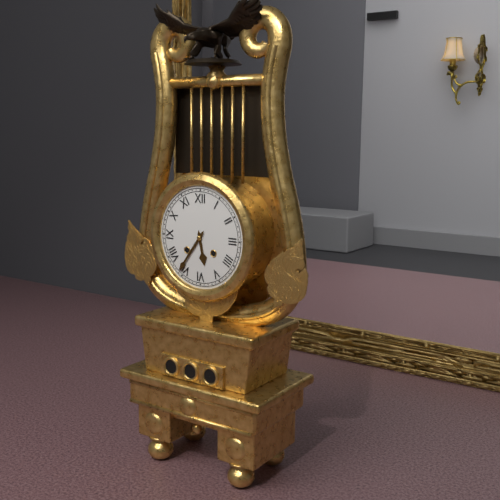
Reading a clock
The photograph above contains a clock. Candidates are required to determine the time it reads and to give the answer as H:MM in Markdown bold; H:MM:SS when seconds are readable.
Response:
**5:36**
